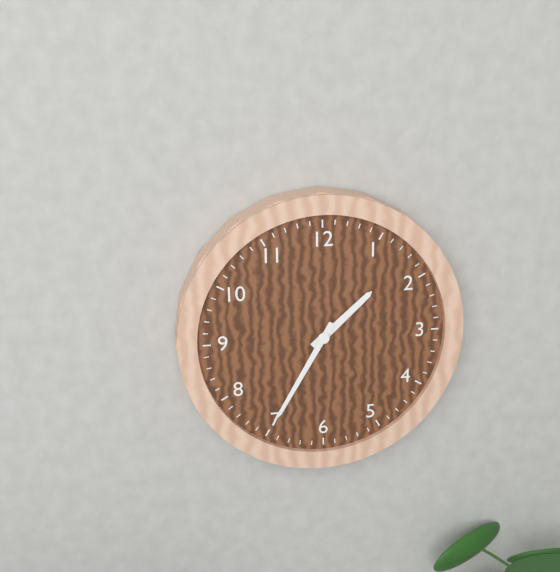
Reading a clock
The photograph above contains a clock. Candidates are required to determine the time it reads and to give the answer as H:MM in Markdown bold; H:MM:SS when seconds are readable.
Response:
**1:35**
